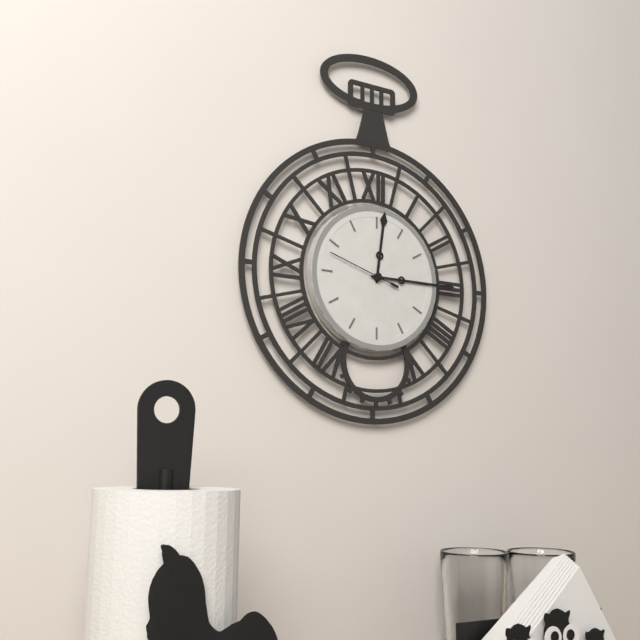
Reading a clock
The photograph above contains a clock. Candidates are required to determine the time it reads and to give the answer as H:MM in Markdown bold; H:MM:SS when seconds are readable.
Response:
**12:15:48**
